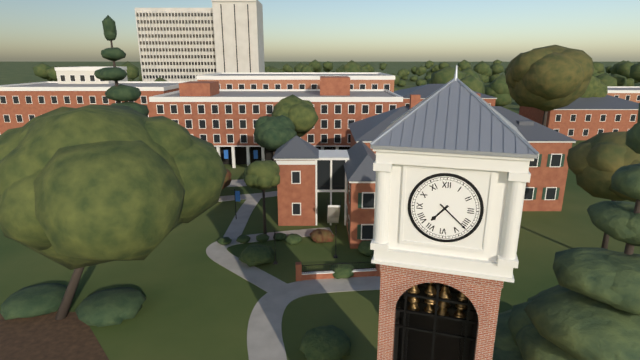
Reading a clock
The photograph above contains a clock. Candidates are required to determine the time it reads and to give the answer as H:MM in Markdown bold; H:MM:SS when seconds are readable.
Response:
**7:22**
